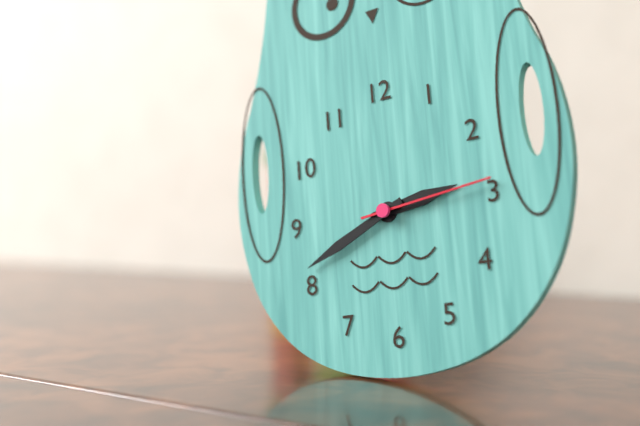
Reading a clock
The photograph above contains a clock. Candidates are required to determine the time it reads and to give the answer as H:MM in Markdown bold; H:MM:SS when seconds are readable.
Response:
**2:41:14**
